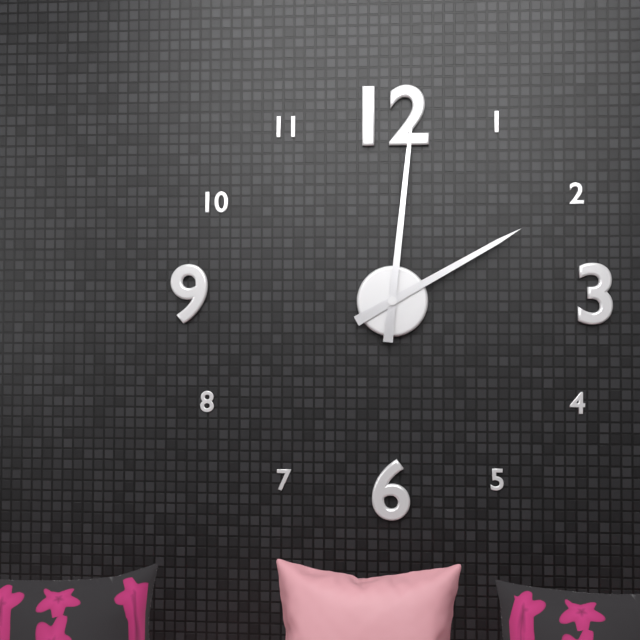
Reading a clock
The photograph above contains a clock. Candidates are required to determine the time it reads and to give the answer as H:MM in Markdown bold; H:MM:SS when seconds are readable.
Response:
**2:01**
